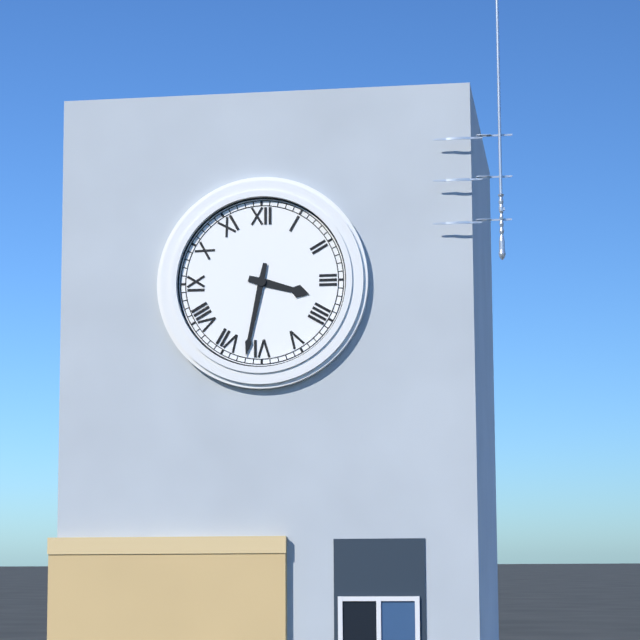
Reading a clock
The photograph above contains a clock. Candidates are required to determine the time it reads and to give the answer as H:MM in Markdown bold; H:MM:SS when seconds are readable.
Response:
**3:32**
